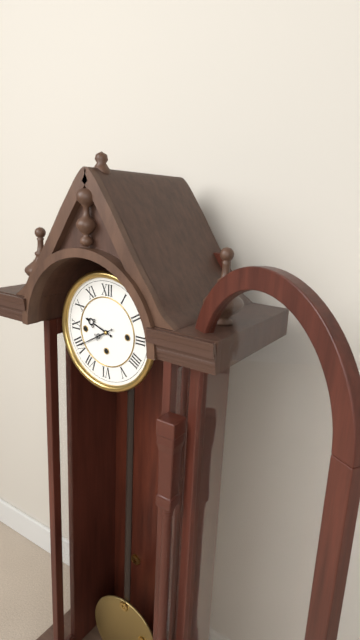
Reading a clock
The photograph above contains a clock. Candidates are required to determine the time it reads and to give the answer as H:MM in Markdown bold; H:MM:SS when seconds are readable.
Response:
**9:40**
